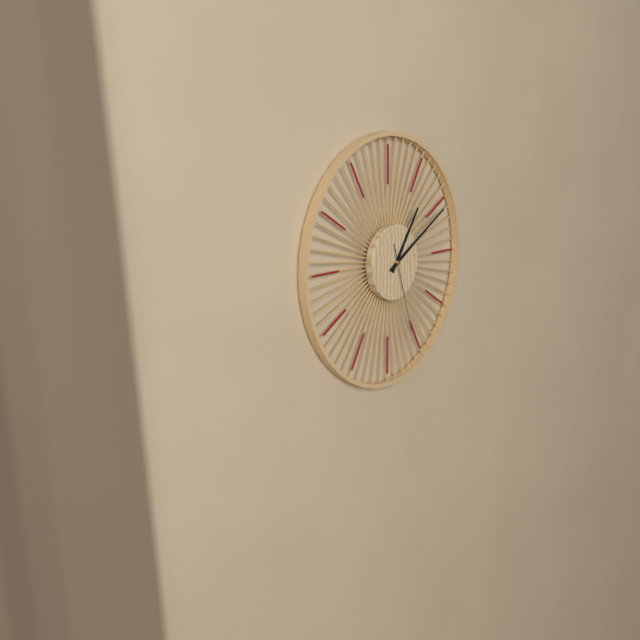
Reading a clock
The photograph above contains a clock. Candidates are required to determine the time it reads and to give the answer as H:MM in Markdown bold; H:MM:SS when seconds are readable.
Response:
**1:10:27**
